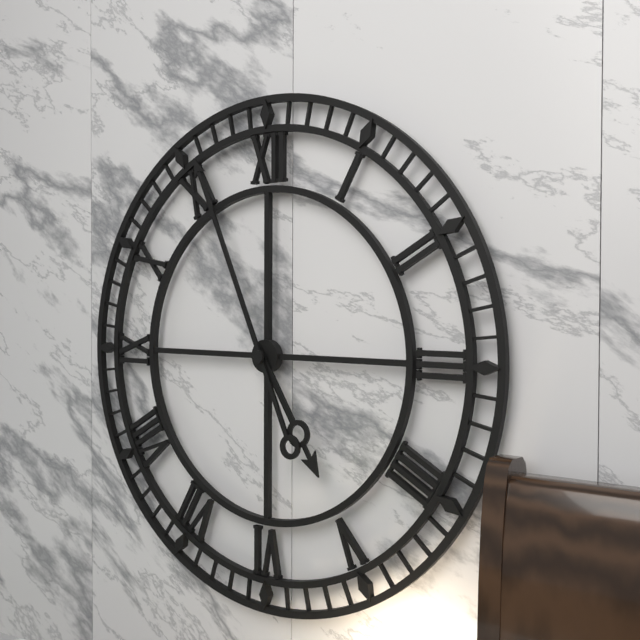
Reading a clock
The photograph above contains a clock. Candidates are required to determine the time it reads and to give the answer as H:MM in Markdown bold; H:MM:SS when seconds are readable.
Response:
**4:56**
